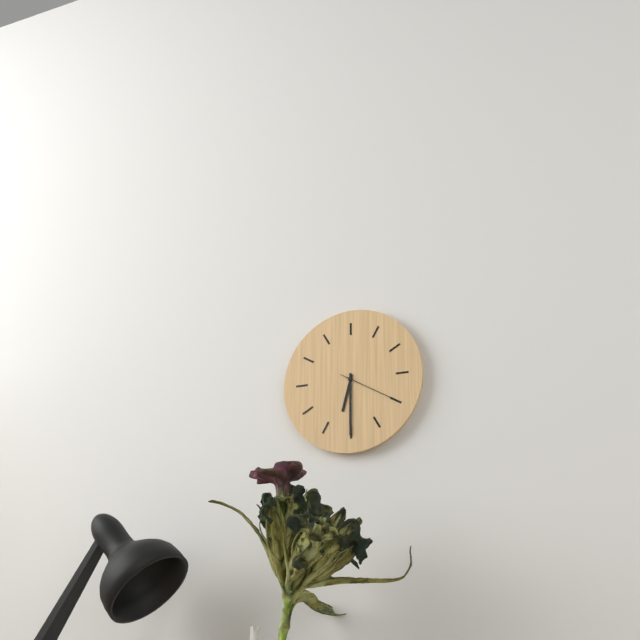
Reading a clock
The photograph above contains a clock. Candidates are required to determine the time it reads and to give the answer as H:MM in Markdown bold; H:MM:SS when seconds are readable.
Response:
**6:30:20**
